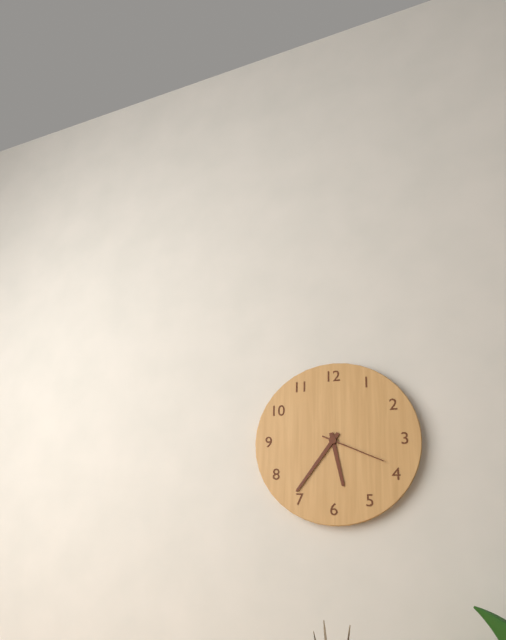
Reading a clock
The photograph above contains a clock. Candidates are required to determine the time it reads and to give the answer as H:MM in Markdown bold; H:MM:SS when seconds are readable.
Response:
**5:36:19**
